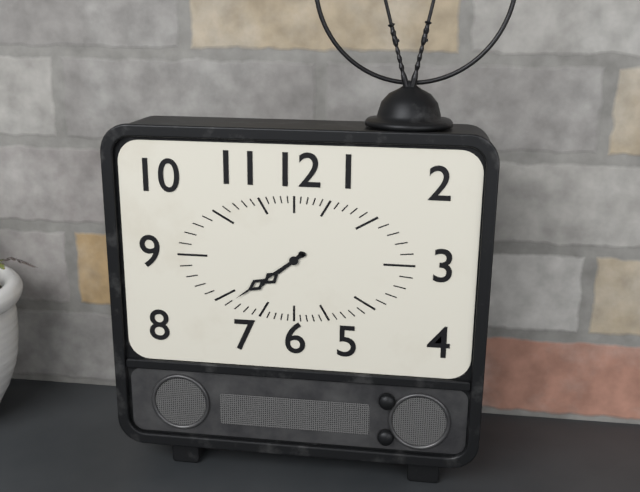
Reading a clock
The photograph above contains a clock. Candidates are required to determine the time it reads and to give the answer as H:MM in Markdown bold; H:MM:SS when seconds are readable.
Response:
**7:39**
